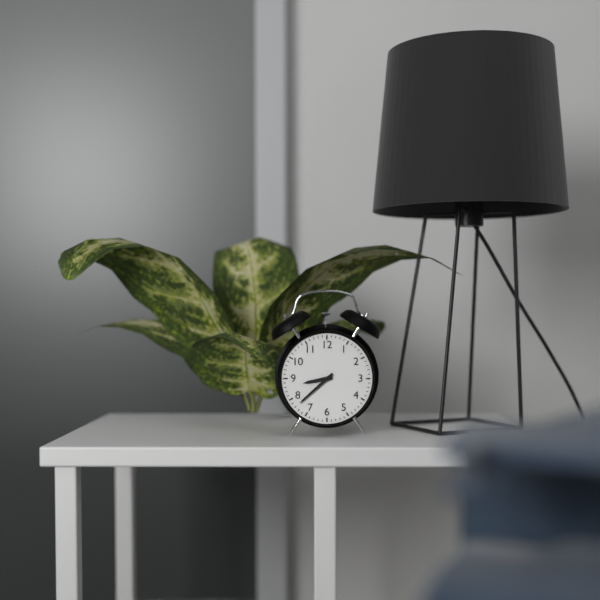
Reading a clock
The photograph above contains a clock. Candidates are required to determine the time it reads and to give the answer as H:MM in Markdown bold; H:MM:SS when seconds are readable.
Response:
**8:38**
